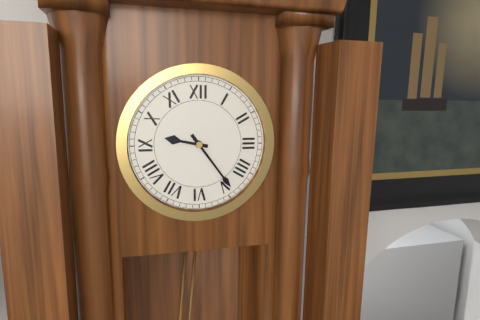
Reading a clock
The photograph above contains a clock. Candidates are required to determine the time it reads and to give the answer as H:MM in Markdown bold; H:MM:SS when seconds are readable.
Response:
**9:24**
